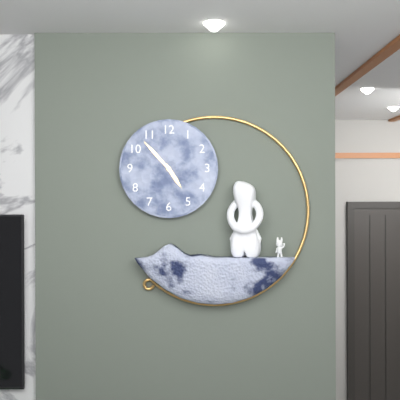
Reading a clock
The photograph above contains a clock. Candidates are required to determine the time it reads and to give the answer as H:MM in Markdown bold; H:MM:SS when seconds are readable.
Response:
**4:53**
